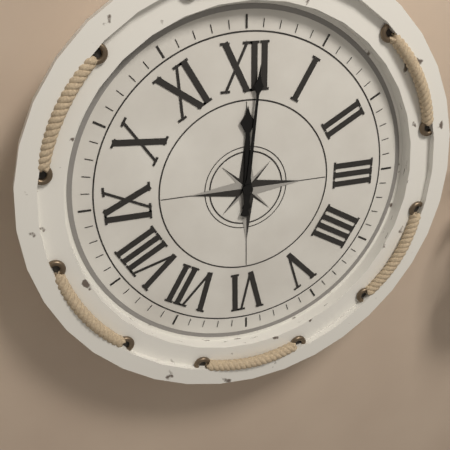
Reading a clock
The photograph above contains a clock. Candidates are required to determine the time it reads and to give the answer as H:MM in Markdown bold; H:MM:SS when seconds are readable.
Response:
**12:01**
